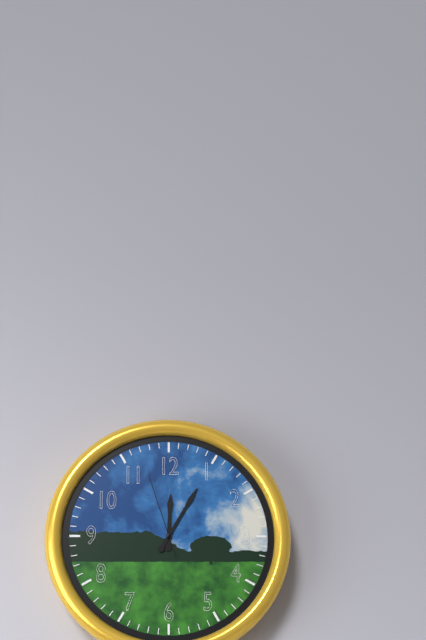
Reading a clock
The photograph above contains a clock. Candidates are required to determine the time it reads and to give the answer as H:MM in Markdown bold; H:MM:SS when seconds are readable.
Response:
**12:05:57**
